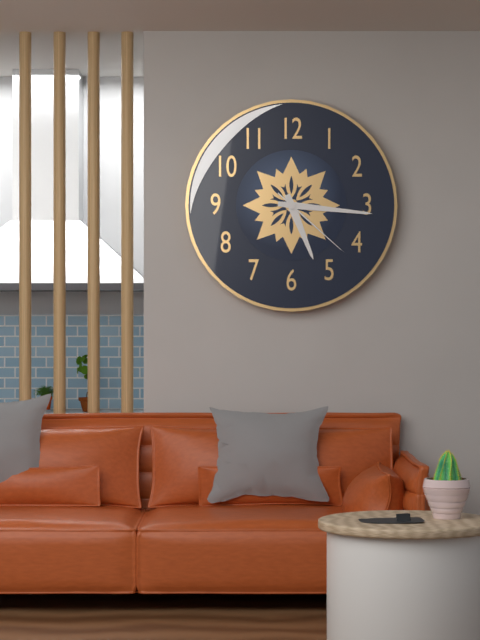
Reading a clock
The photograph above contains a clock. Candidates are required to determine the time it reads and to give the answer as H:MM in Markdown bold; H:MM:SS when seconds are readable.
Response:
**5:16:22**
